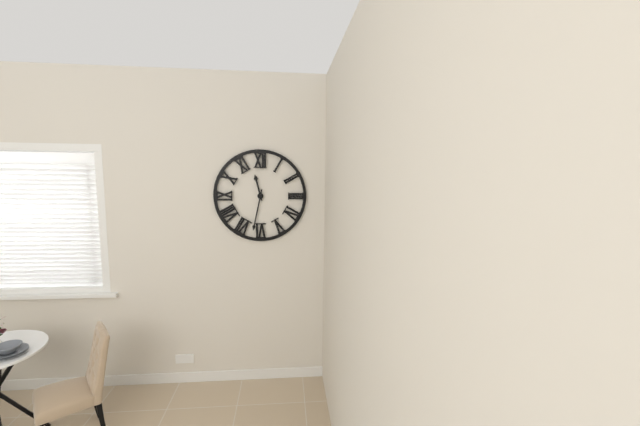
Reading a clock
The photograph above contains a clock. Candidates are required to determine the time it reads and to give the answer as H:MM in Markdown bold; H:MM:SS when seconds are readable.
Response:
**11:32**
